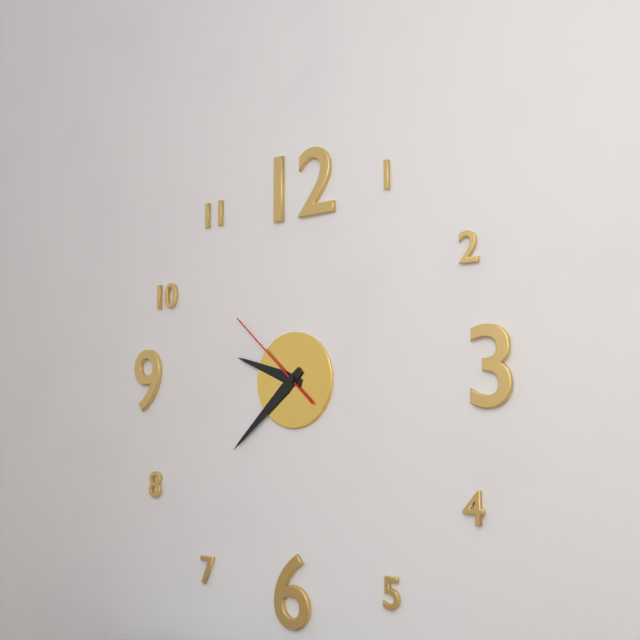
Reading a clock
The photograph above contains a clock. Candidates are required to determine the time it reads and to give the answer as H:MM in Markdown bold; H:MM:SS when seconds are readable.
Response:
**9:38:52**
